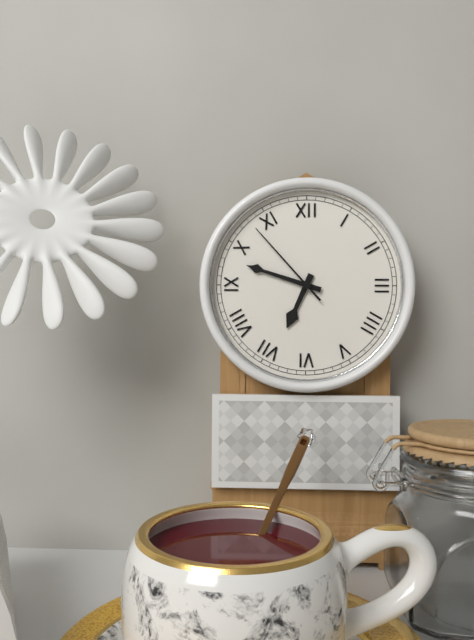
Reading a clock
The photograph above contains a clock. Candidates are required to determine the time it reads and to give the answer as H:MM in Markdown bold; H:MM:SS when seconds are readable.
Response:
**6:48:53**
